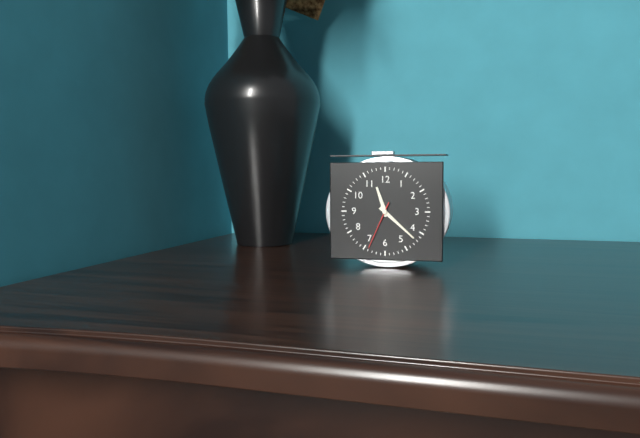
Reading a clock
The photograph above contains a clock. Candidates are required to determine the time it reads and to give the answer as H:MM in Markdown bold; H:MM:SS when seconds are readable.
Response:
**11:22:34**
